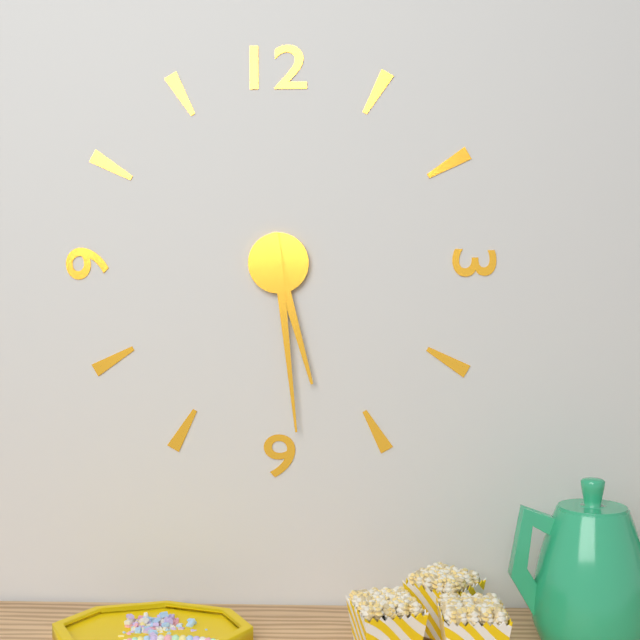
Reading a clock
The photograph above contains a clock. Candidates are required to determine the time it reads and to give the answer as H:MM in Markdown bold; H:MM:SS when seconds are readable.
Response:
**5:29**
